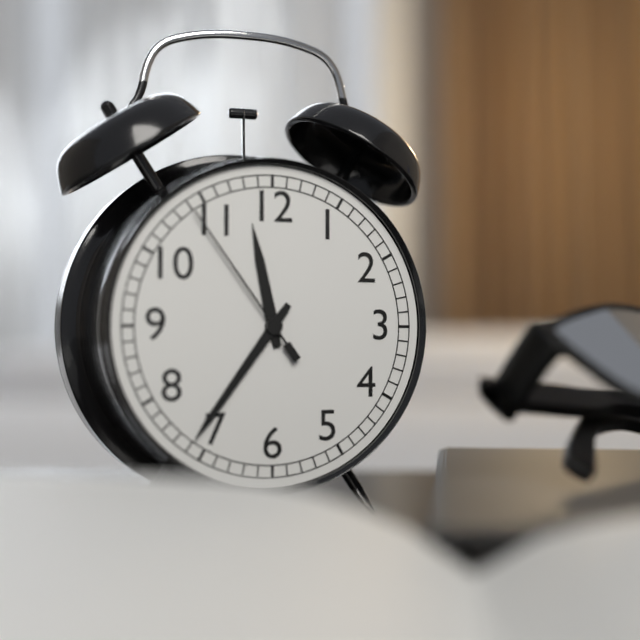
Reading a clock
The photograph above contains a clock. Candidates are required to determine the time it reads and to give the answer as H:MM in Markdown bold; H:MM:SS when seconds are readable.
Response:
**11:36:54**
